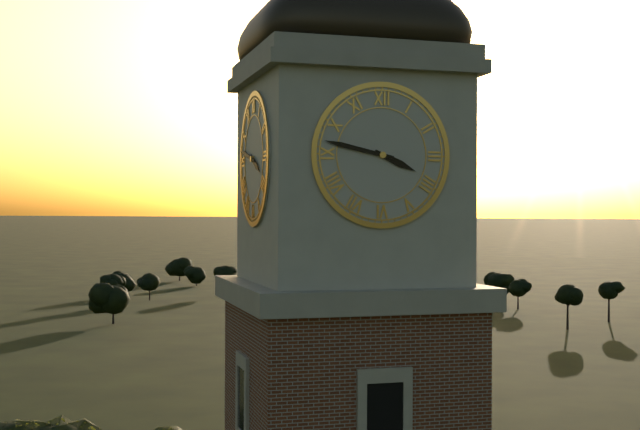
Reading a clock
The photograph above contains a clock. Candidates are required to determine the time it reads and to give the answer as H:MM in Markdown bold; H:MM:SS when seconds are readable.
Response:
**3:47**
